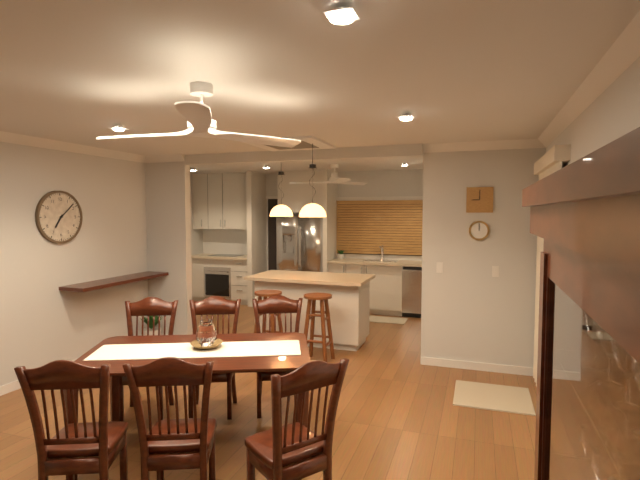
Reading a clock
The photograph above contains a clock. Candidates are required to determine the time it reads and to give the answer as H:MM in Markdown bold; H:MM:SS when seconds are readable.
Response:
**7:08**
